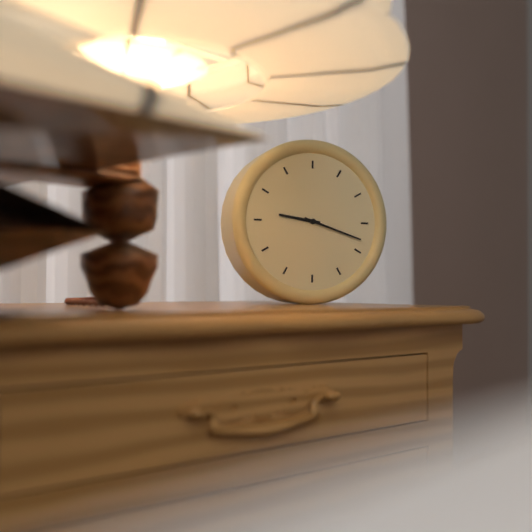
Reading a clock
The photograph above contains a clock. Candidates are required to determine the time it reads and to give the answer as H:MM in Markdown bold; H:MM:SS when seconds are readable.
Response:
**9:18**
